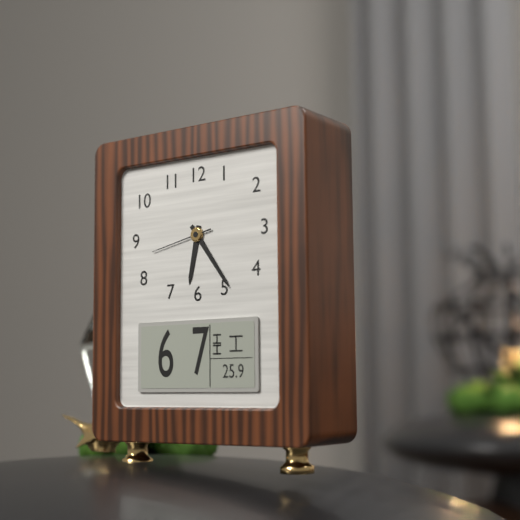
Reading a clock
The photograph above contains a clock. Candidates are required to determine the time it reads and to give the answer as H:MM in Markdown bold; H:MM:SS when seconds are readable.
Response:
**6:24:43**
